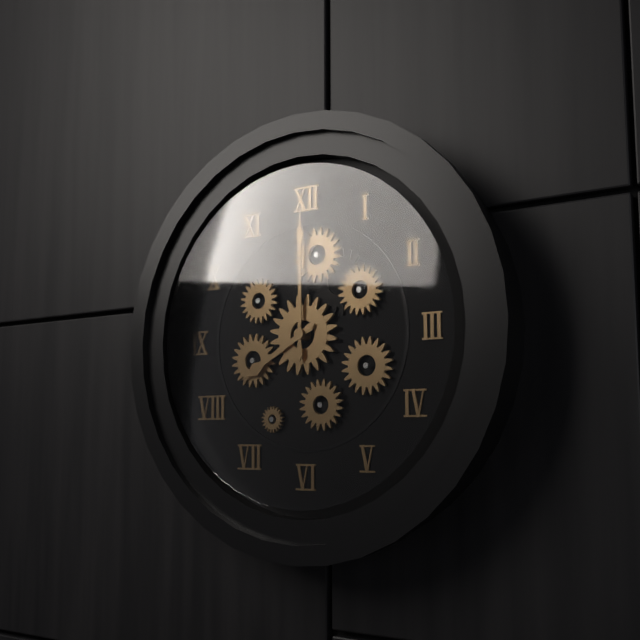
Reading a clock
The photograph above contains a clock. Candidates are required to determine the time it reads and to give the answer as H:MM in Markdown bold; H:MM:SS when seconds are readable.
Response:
**8:00**
